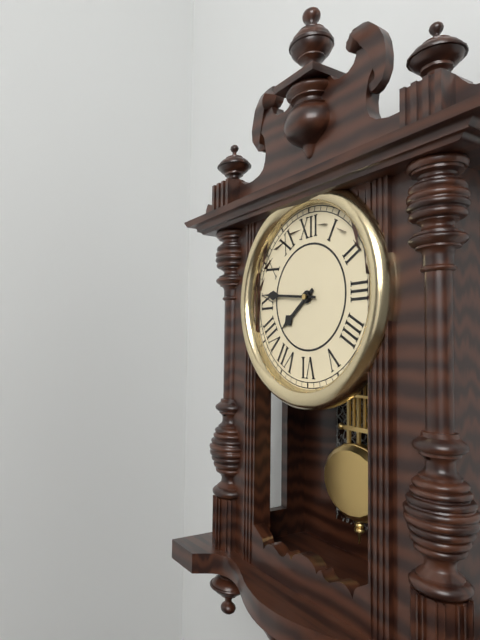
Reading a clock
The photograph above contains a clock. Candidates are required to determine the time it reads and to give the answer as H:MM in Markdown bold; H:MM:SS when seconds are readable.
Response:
**7:46**
